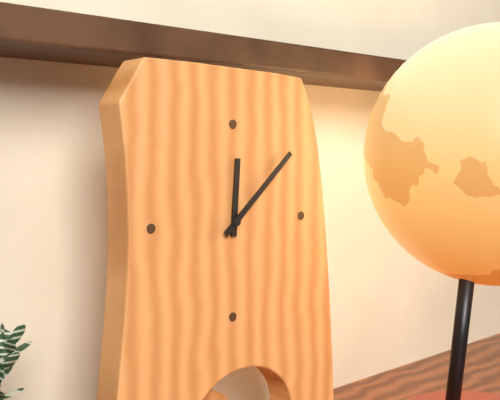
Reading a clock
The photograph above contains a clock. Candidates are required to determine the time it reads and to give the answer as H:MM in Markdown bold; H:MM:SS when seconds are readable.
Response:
**12:08**
